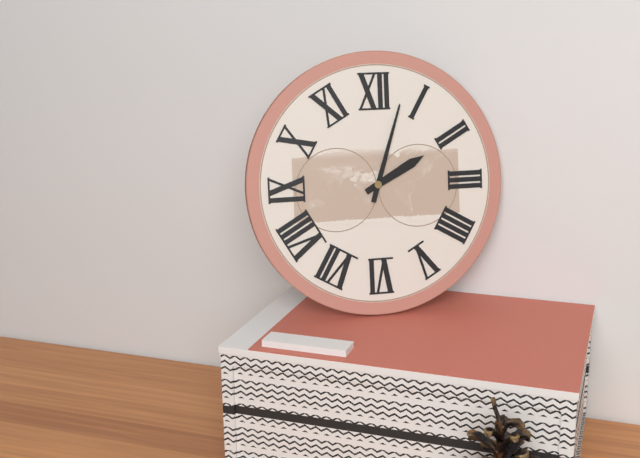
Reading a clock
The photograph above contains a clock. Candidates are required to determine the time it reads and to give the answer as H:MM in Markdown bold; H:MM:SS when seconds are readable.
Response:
**2:03**
